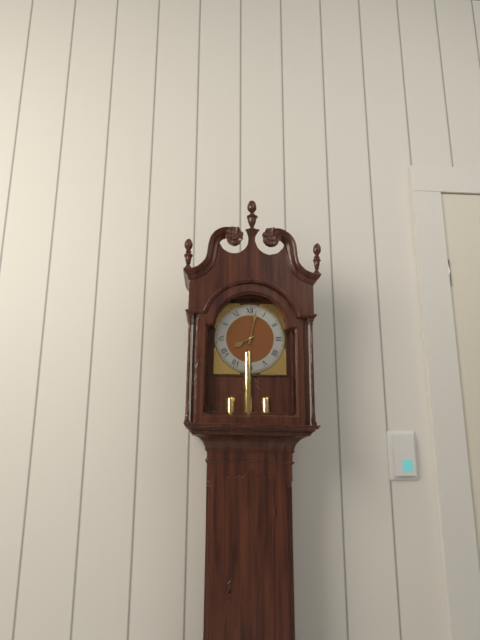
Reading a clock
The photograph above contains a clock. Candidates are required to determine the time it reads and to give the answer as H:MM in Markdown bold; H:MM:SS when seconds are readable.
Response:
**8:02**
